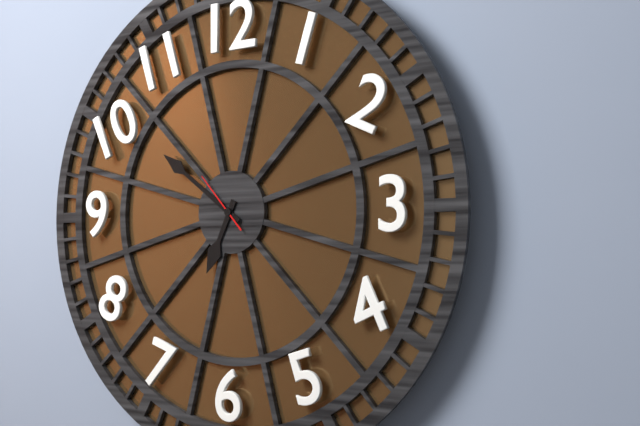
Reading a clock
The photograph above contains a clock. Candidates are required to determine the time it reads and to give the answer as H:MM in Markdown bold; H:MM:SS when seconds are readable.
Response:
**6:51:53**
